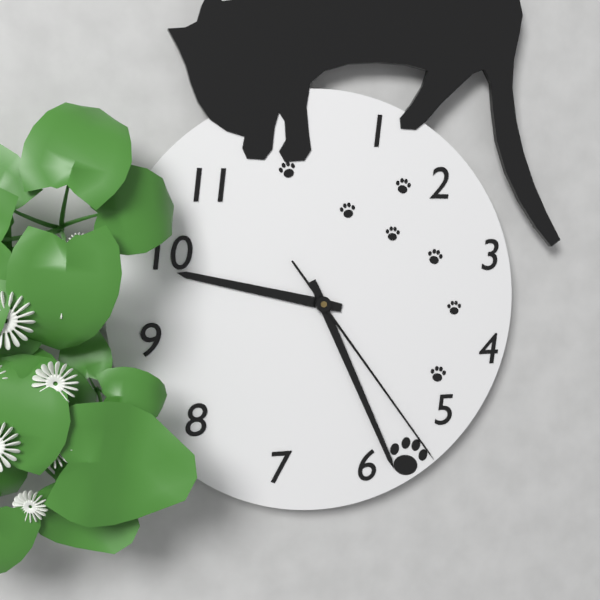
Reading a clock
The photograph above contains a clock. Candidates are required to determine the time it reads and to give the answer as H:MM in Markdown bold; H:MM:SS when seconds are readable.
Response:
**9:26:24**
